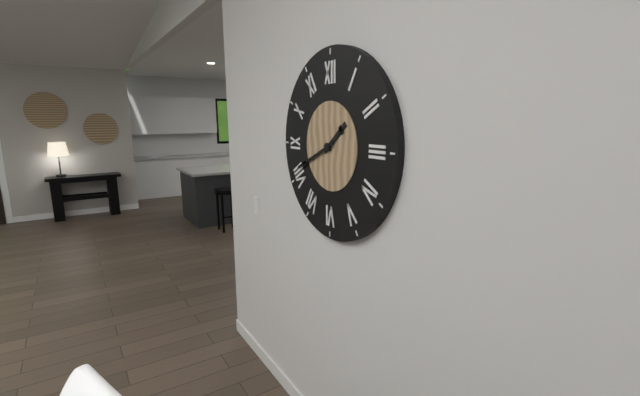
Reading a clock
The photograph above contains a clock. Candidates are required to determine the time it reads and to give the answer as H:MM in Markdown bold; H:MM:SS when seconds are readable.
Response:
**1:41**
